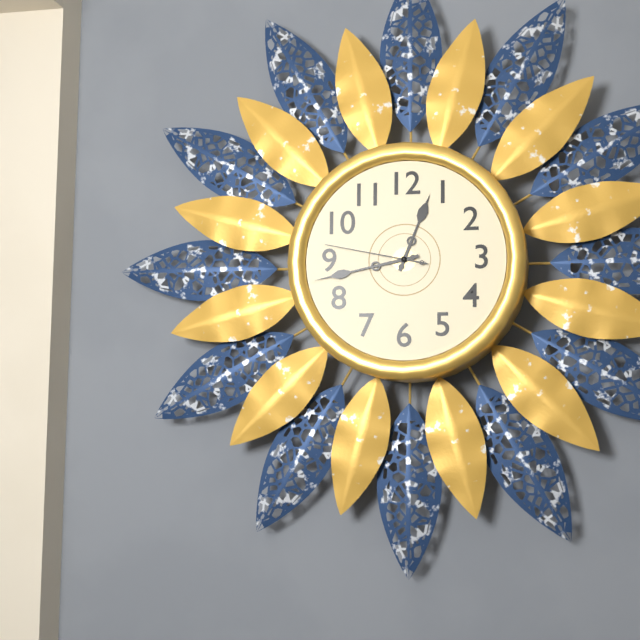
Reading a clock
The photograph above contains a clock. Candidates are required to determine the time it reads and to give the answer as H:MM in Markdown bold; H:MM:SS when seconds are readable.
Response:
**12:43:47**
